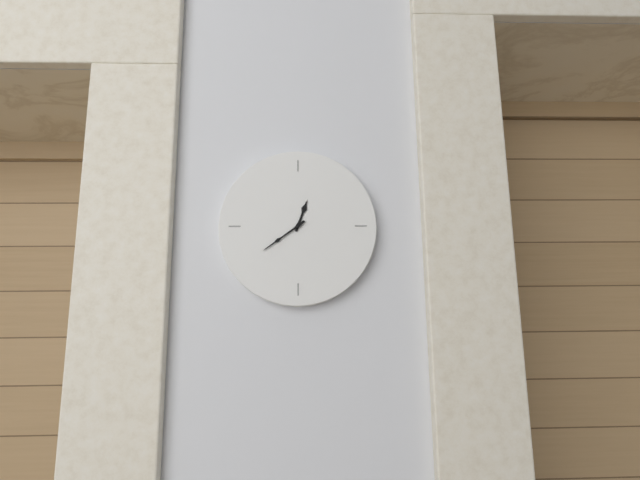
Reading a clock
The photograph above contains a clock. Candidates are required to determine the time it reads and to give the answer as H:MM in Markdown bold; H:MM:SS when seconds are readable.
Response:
**12:39**
